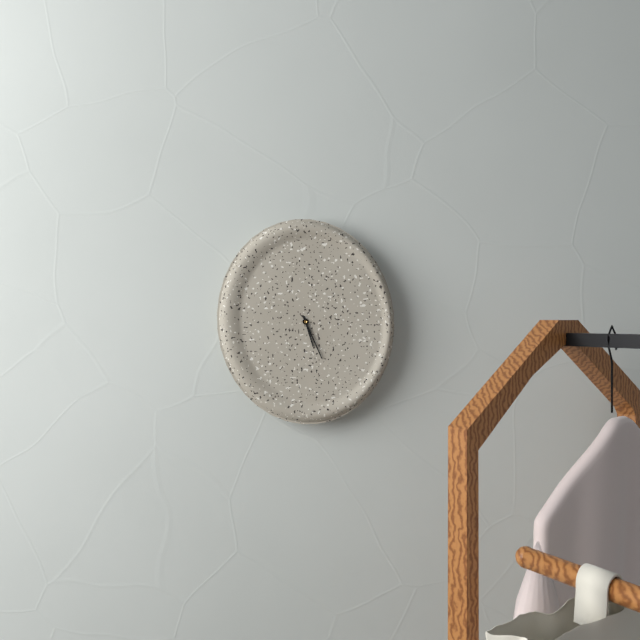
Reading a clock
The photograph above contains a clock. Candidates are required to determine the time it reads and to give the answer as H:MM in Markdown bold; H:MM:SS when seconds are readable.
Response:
**5:26**
